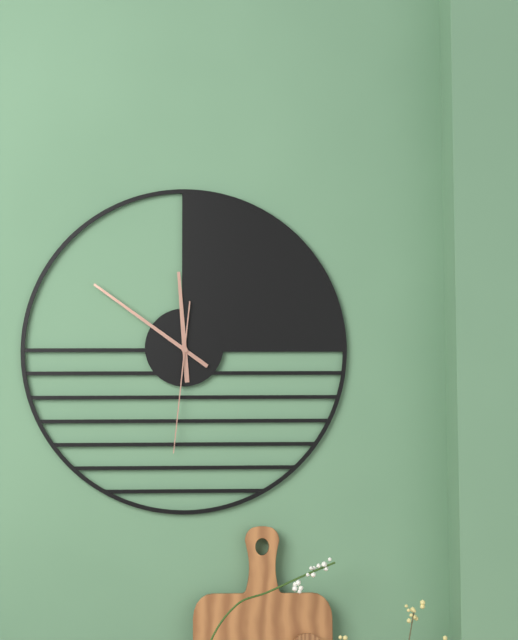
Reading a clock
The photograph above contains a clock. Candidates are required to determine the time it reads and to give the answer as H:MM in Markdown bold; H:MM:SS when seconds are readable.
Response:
**11:51:31**
